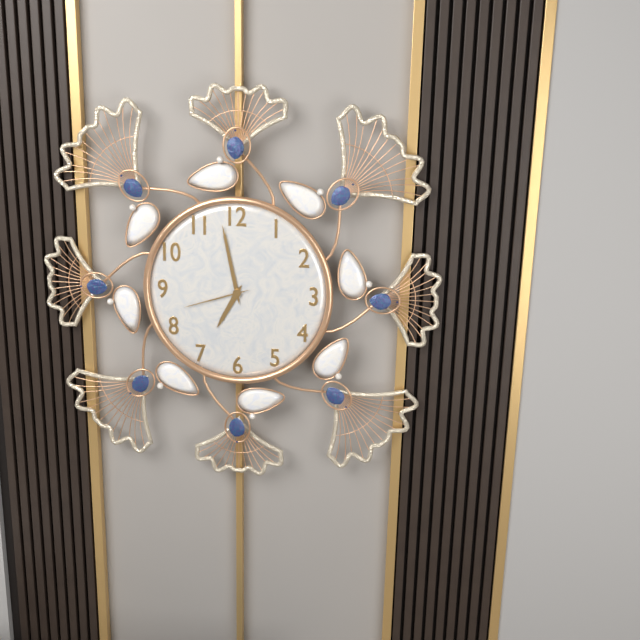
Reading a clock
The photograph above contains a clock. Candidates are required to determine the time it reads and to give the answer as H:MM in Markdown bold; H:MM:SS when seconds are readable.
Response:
**6:58:42**
